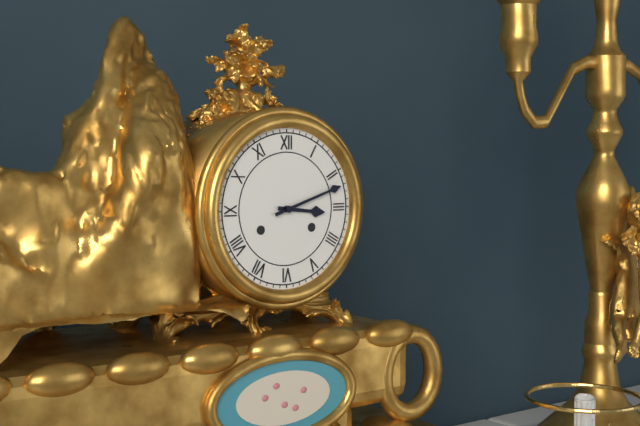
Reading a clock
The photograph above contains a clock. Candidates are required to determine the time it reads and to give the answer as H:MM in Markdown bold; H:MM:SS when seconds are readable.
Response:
**3:12**
